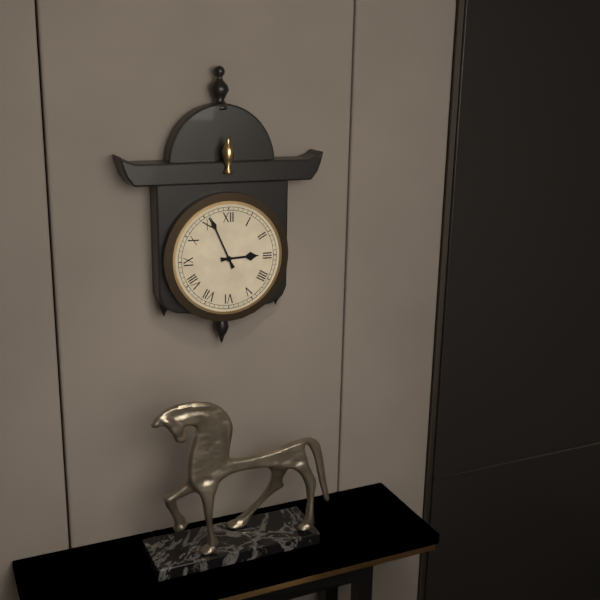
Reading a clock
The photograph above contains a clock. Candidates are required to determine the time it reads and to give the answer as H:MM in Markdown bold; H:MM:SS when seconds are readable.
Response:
**2:56**
